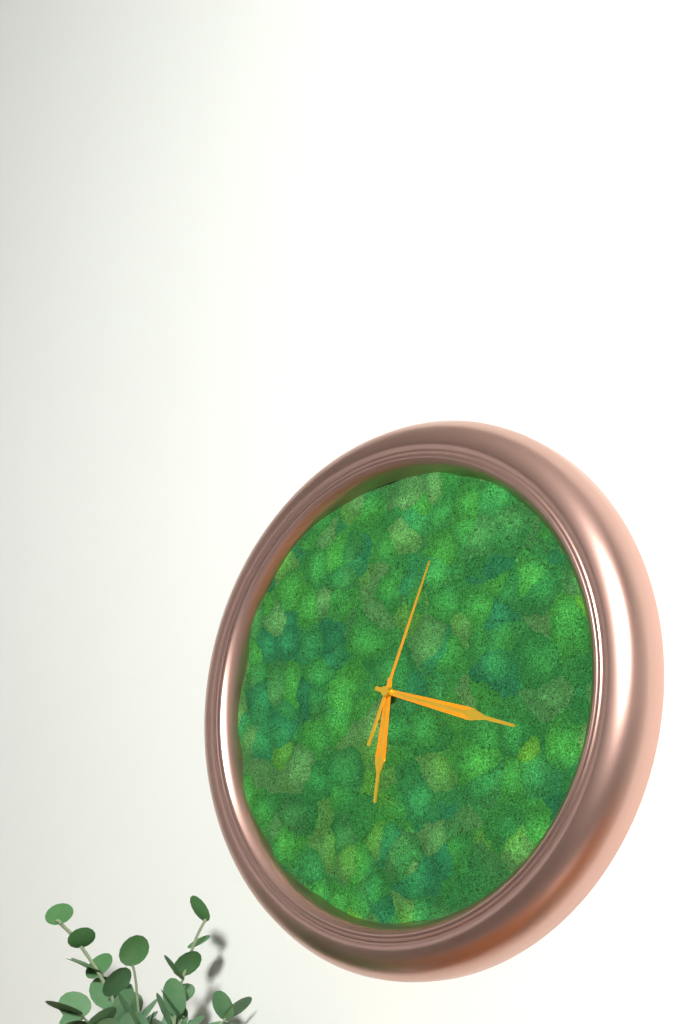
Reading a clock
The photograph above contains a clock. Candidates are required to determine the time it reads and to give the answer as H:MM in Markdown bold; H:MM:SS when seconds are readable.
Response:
**6:18:04**
